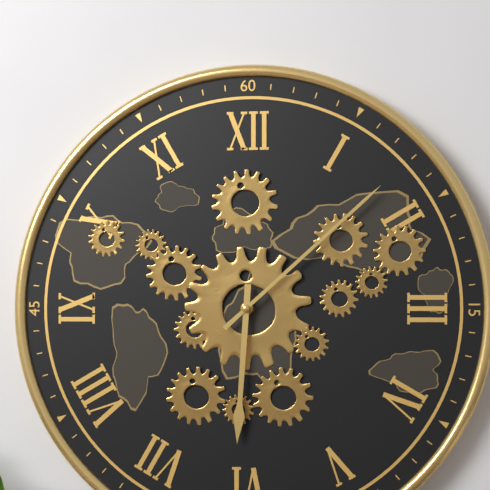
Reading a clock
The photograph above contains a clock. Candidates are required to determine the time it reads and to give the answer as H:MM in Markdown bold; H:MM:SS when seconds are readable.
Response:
**6:08**
